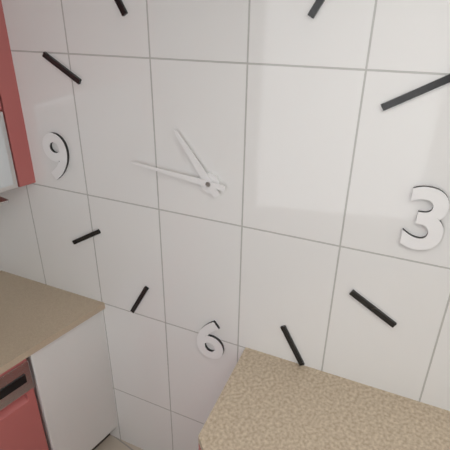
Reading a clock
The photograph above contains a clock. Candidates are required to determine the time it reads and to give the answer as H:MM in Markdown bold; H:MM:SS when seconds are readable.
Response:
**10:46**
